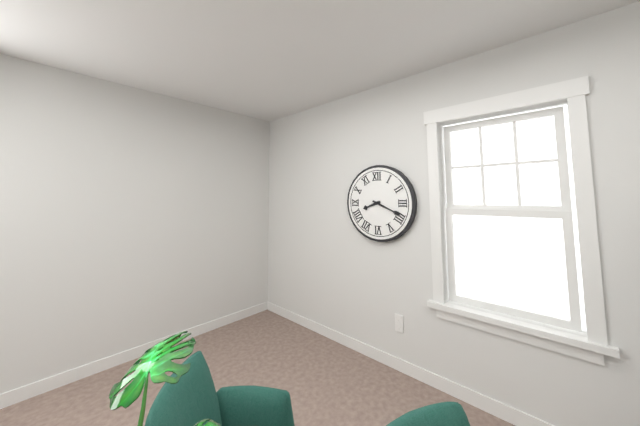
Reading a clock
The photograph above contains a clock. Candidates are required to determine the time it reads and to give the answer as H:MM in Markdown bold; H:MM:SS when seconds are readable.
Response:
**8:19**
